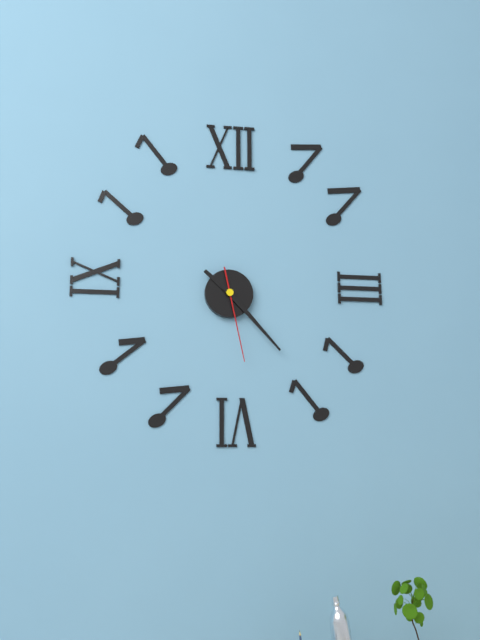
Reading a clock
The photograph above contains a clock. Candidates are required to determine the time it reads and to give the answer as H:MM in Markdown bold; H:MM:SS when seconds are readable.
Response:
**10:23:28**
